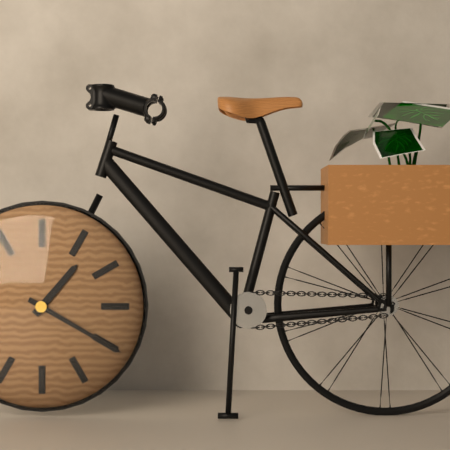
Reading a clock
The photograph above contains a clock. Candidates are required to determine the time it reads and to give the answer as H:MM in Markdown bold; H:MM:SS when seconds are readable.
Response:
**1:20**
